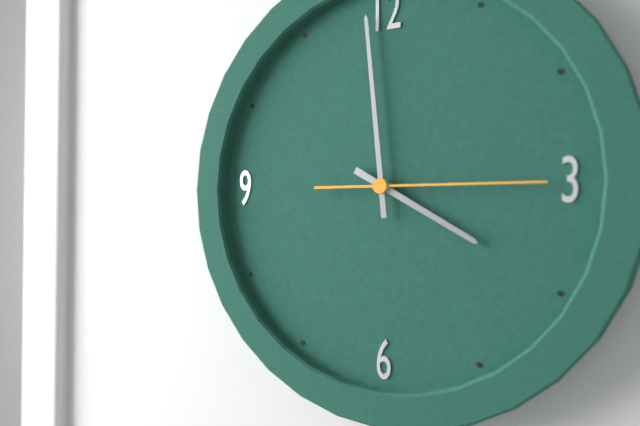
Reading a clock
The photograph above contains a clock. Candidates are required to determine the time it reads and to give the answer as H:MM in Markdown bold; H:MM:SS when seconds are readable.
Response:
**3:59:15**
